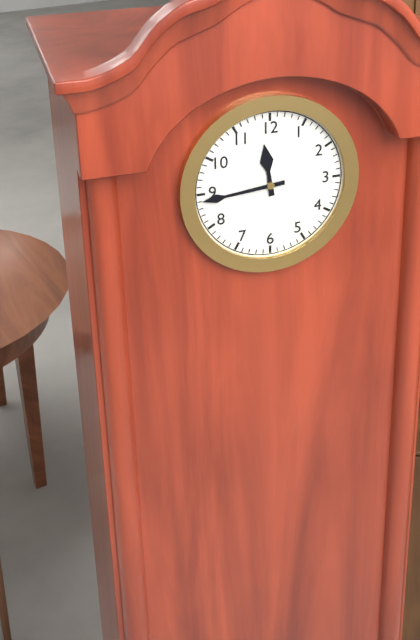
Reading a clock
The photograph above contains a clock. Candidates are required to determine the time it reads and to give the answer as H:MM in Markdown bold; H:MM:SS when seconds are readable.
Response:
**11:44**
